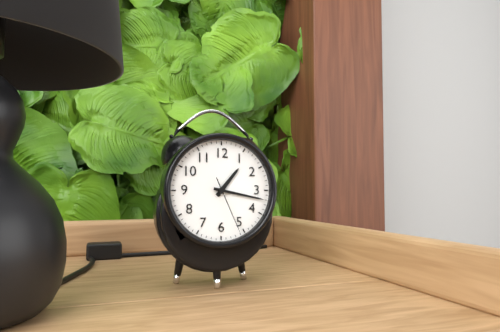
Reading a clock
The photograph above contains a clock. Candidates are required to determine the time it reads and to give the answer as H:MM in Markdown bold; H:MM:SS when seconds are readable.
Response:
**1:17:26**
